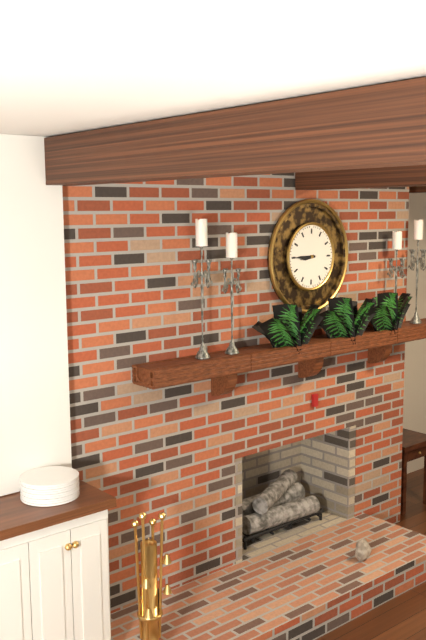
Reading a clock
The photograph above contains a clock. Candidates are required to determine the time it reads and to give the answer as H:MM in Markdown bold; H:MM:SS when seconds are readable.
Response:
**8:45**
